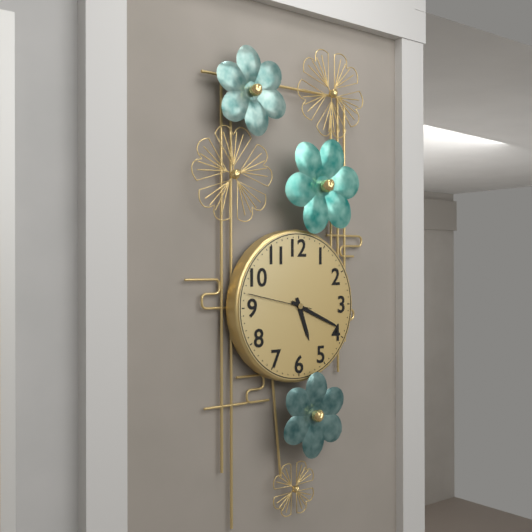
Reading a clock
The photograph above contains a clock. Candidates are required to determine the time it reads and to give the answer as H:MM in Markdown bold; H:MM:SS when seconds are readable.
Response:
**5:19:47**
